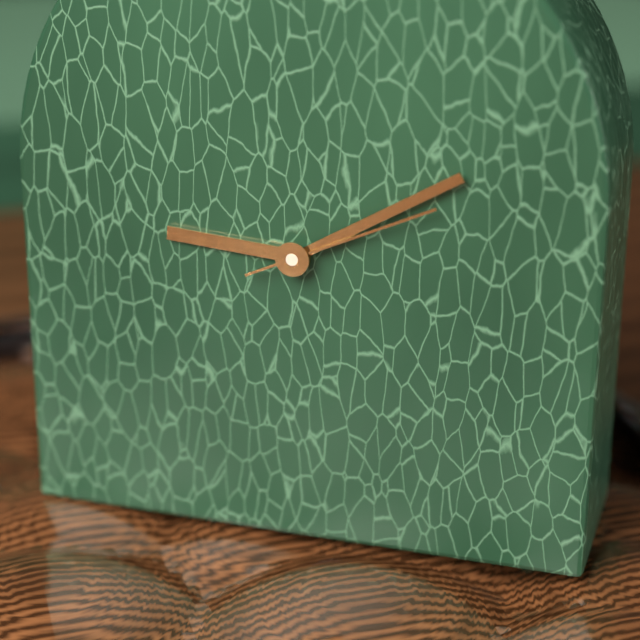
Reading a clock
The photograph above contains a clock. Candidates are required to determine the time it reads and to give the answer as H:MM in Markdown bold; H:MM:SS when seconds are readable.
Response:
**9:10:11**
